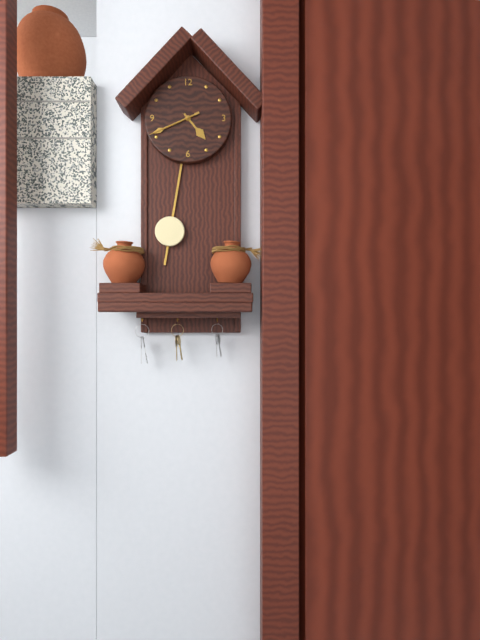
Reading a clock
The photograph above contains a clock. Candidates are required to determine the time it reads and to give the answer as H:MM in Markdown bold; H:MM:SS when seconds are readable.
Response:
**4:41:41**
